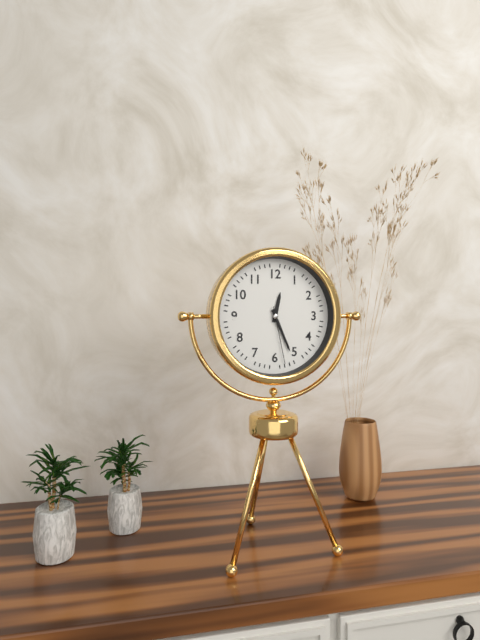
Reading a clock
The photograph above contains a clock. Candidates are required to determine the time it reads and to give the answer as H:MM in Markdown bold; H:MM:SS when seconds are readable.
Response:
**12:26:28**
